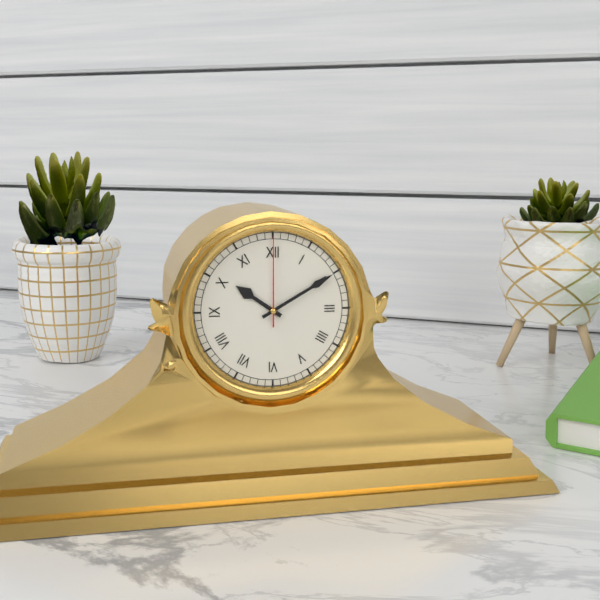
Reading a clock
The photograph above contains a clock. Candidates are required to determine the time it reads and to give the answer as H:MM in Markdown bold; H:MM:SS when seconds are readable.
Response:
**10:10:00**
